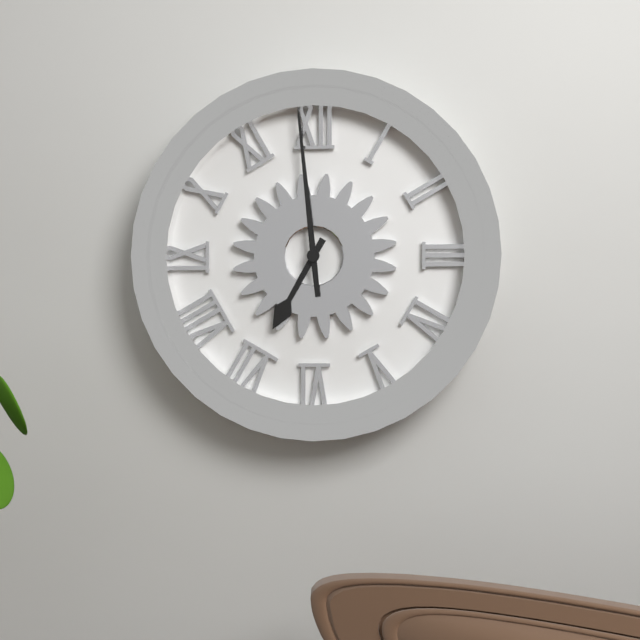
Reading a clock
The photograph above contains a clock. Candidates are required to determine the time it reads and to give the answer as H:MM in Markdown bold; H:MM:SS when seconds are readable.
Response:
**6:59**
